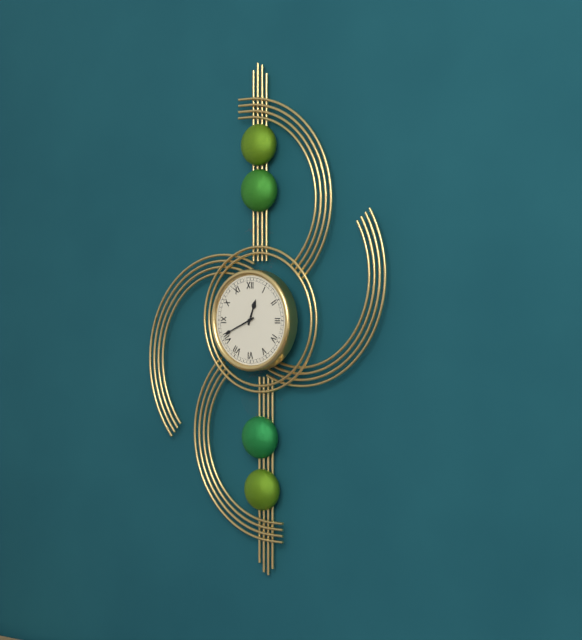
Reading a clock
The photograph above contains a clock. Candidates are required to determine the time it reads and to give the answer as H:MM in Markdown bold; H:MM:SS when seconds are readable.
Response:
**12:41**
